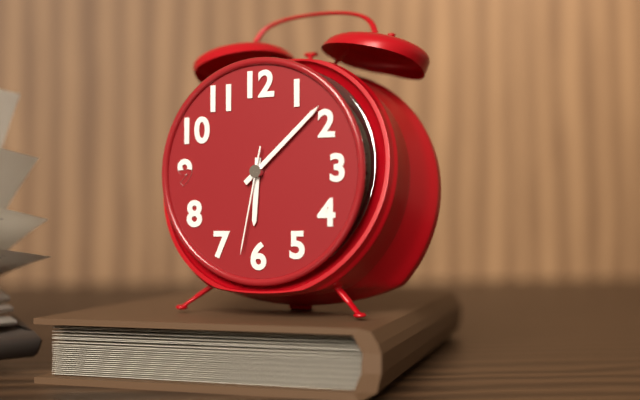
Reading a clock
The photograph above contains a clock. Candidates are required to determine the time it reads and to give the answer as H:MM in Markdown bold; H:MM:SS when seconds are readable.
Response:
**6:08:32**
